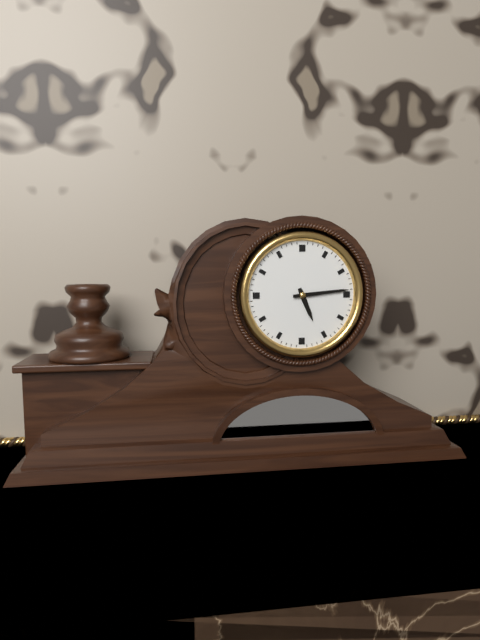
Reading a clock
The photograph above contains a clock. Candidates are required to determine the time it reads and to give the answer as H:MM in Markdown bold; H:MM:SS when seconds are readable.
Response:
**5:14**
